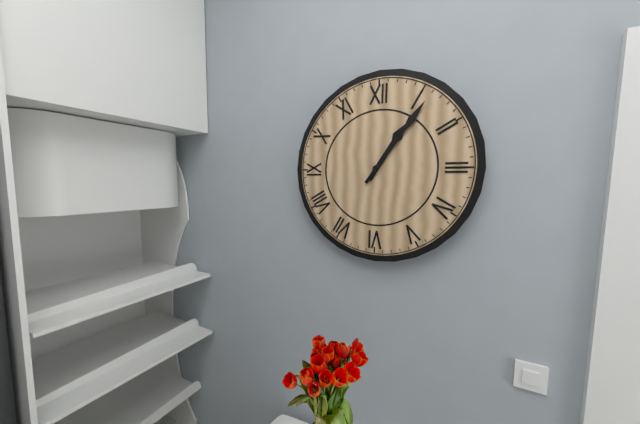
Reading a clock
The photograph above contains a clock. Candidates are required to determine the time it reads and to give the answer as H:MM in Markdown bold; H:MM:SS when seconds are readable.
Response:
**1:06**
